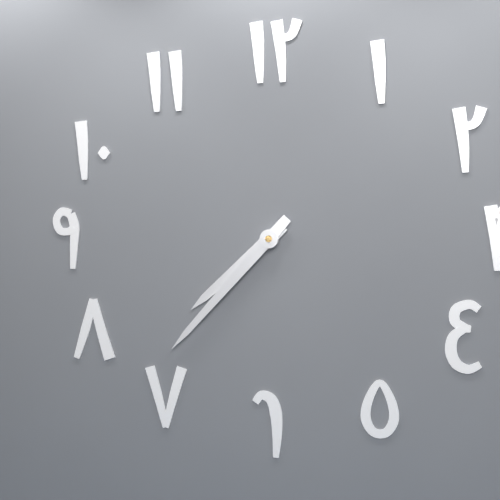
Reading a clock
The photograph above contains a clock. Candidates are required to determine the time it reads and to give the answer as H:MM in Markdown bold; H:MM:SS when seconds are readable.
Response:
**7:37**
